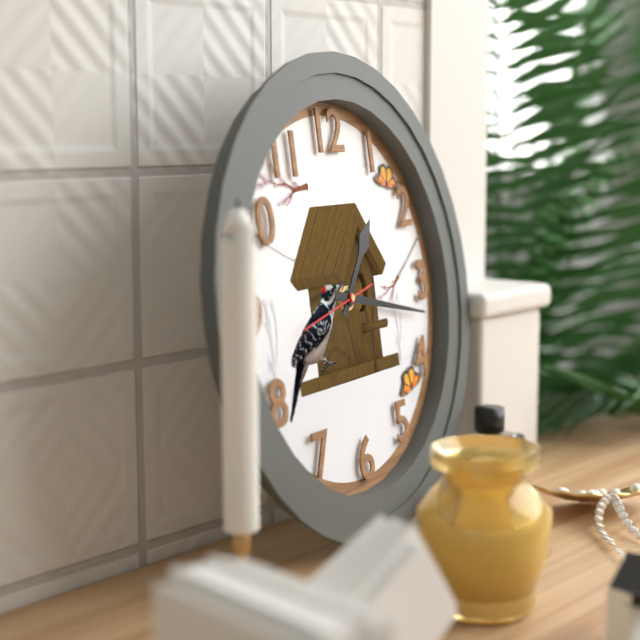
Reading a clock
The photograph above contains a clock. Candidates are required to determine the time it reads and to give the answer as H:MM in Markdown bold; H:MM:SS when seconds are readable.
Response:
**1:17:43**
